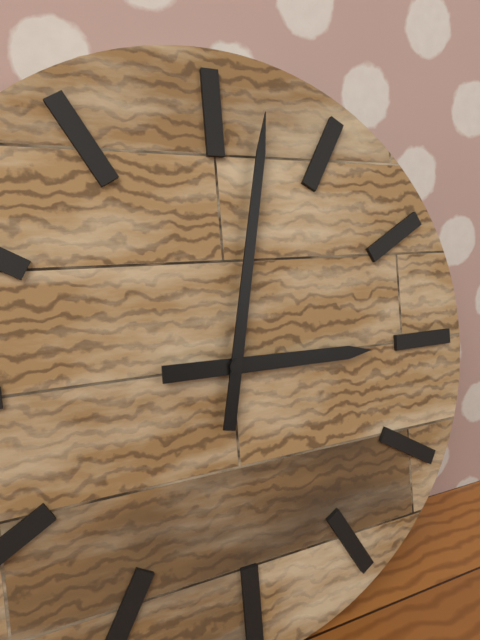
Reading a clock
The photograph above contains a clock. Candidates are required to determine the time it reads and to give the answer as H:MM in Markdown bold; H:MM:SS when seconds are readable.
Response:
**3:02**
